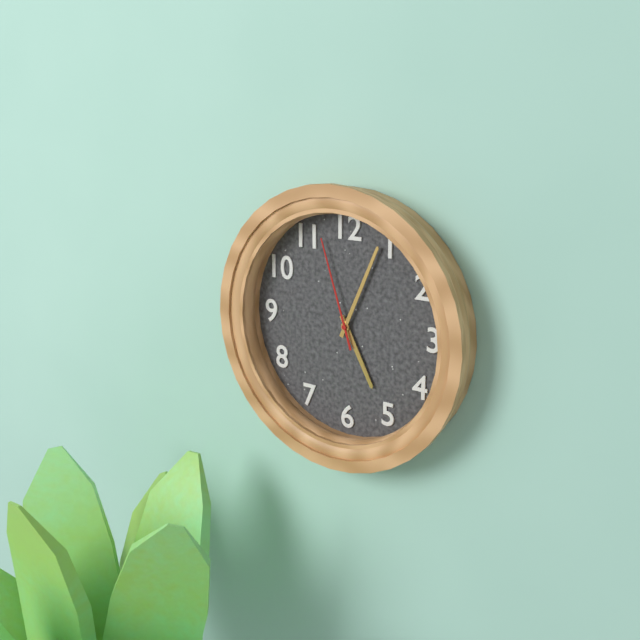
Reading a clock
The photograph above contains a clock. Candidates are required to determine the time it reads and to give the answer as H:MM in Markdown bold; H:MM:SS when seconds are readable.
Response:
**5:04:57**
